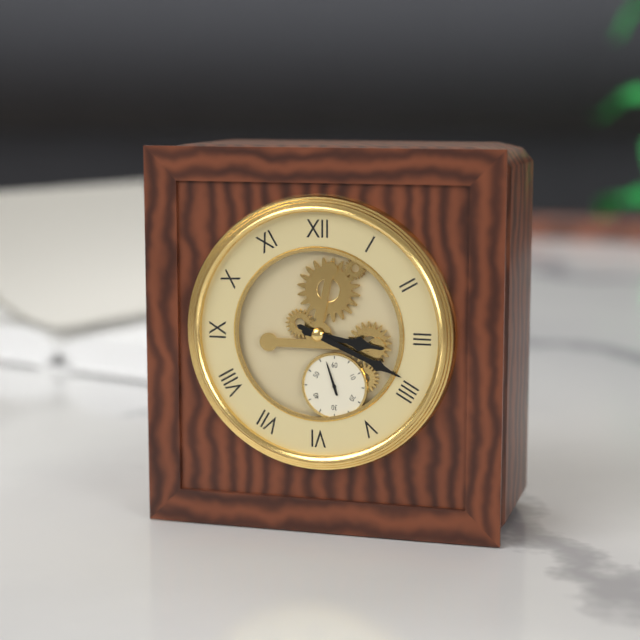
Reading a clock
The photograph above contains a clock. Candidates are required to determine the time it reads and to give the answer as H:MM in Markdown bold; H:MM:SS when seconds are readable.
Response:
**3:19**
